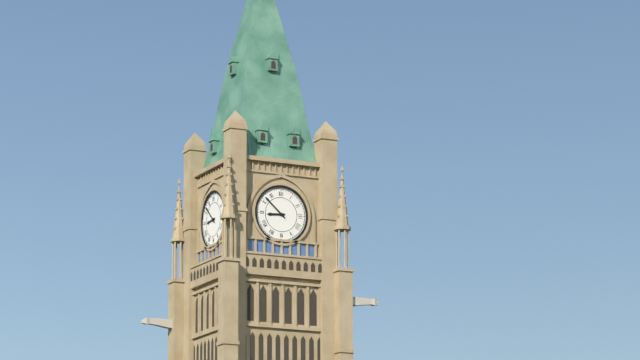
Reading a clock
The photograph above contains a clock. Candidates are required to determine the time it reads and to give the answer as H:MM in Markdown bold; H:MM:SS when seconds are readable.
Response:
**8:52**
